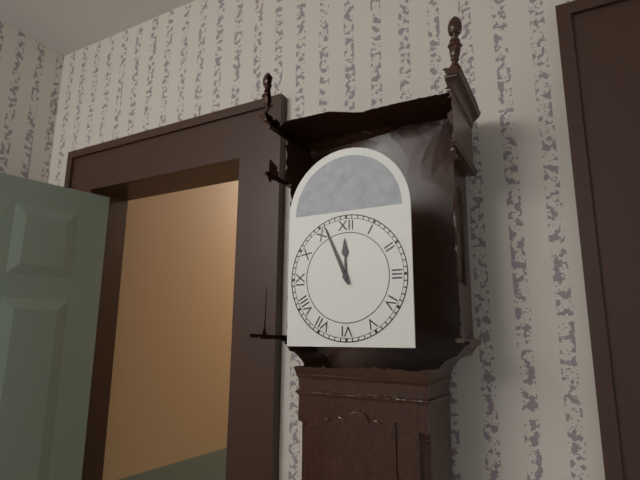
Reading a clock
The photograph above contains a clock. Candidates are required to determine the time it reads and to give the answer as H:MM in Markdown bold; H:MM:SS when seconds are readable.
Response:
**11:56**
